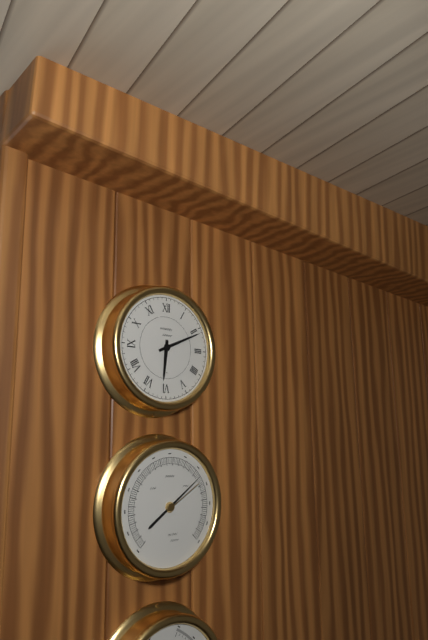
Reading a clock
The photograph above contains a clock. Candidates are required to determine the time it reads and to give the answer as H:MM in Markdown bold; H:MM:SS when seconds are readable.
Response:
**6:11**
